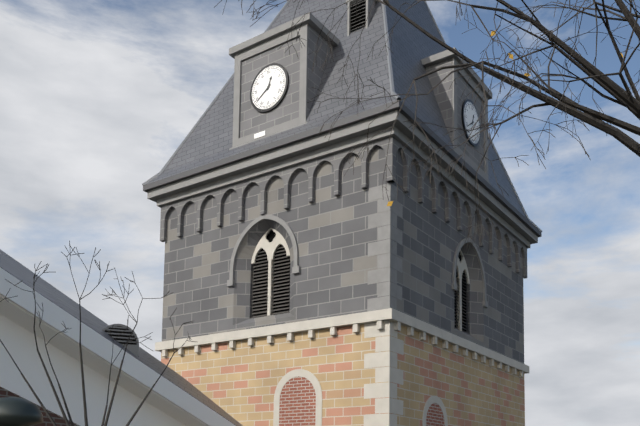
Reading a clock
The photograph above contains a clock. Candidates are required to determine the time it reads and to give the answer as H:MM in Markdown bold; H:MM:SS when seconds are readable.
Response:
**12:39**
